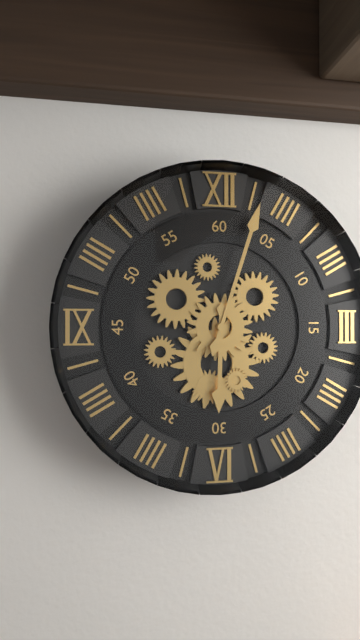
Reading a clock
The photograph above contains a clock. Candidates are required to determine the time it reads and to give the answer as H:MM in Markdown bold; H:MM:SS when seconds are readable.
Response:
**6:03**
